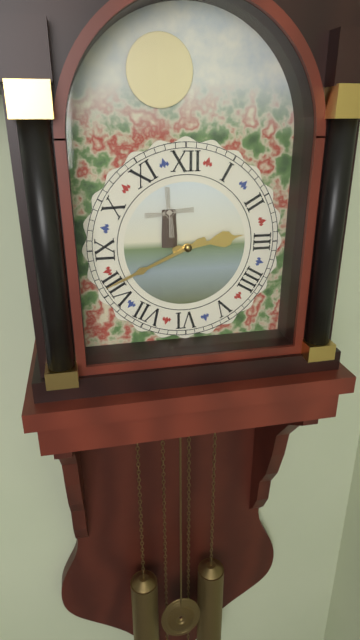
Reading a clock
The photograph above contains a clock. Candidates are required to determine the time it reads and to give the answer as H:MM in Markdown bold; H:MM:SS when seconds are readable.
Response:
**2:41**
